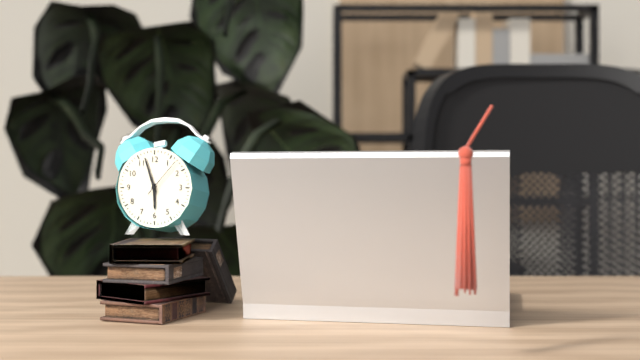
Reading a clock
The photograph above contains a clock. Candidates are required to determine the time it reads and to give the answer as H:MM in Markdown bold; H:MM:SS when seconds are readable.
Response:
**5:57**
